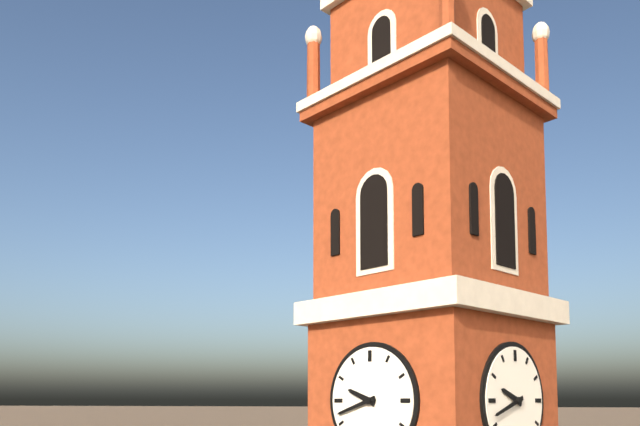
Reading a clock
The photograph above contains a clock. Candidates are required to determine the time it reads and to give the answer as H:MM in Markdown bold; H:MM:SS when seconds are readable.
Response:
**9:42**
